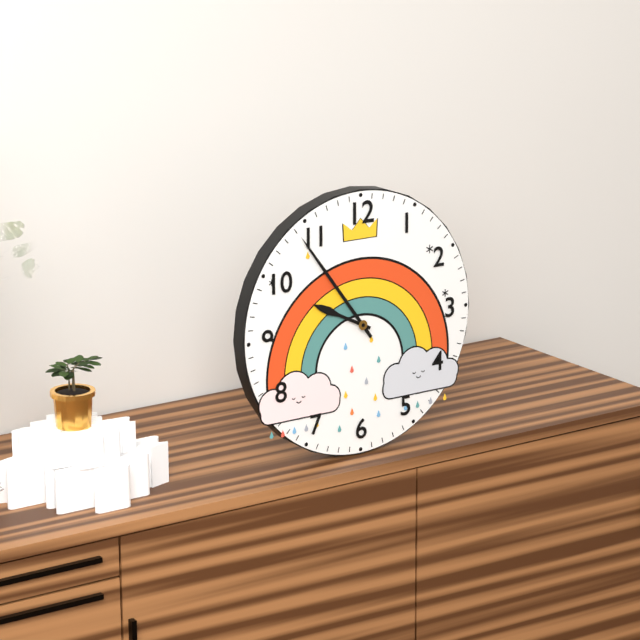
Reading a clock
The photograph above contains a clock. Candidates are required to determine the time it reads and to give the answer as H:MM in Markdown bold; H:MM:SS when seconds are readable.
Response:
**9:54**
